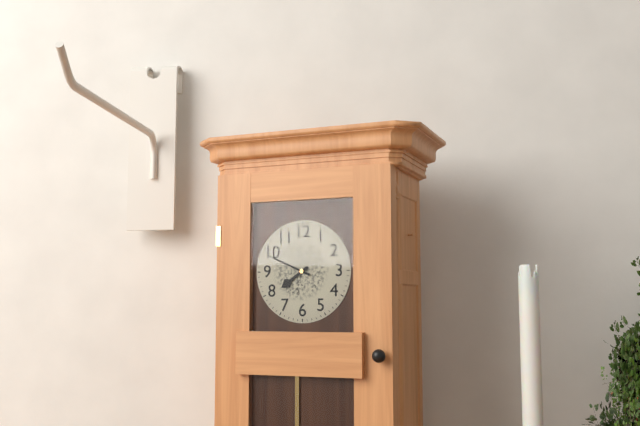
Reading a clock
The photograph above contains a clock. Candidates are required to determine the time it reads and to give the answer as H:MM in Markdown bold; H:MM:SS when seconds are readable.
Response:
**7:49**
